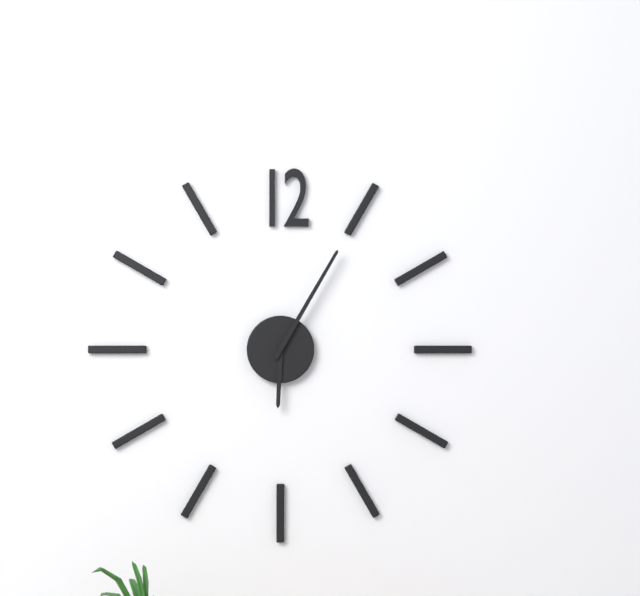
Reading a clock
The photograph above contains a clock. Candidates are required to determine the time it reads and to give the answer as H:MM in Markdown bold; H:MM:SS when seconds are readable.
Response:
**6:05**
